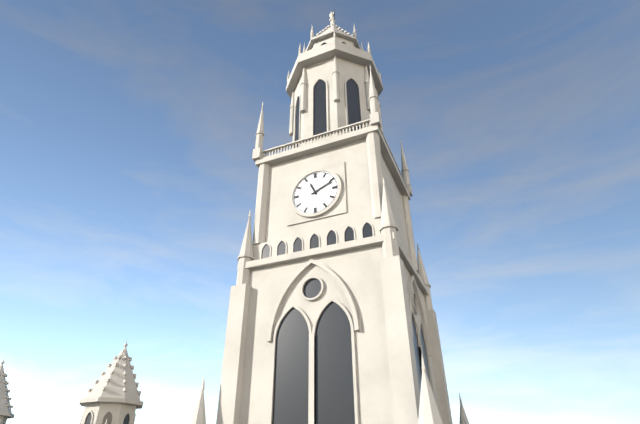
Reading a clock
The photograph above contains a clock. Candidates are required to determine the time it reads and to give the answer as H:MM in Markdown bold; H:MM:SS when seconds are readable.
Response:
**11:11**
